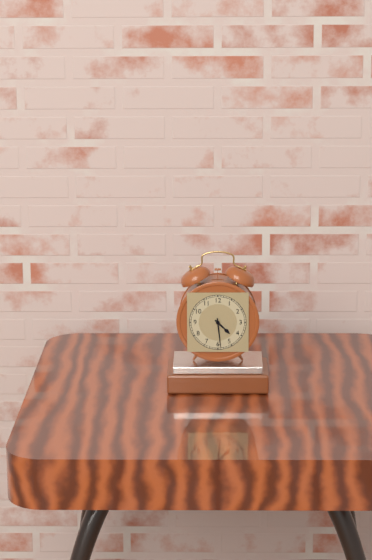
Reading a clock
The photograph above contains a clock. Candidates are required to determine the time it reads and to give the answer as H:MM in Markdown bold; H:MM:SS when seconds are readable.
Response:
**4:29**
